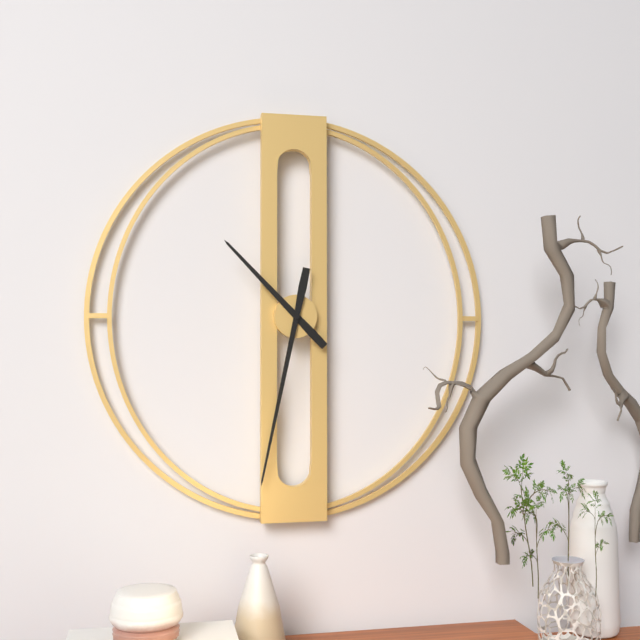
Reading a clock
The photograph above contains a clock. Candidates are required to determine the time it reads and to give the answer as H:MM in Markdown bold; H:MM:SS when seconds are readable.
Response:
**10:32**
